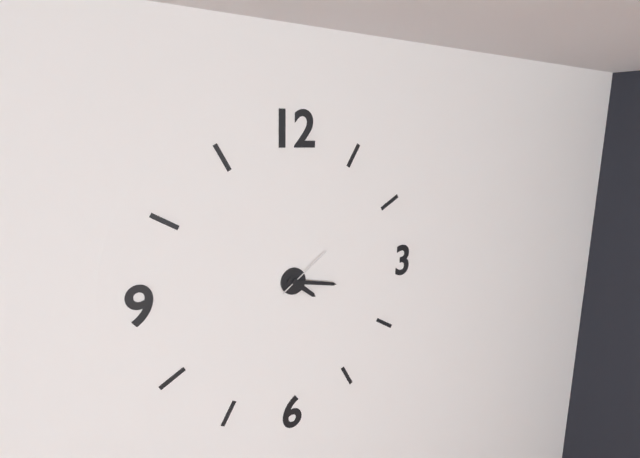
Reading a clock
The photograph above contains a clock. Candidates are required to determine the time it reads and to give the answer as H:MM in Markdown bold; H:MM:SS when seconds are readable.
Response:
**4:17:09**
